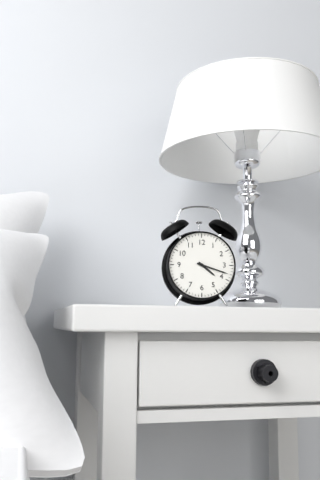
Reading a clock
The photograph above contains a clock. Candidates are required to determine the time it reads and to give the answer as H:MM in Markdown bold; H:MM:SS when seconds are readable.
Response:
**4:18**
